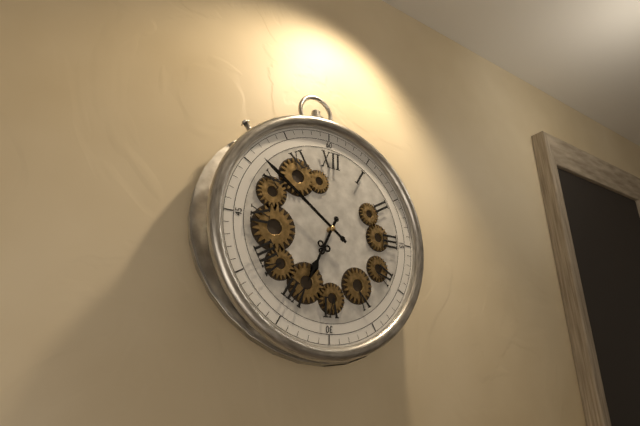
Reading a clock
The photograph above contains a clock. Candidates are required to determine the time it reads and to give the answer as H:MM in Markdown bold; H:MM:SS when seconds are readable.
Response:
**6:51**
